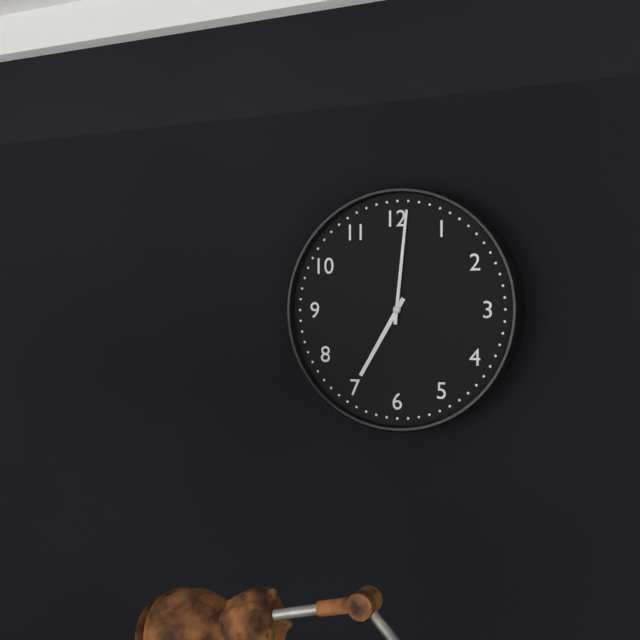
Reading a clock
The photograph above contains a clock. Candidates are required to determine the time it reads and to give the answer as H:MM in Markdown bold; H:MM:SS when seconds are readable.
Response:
**7:01**
